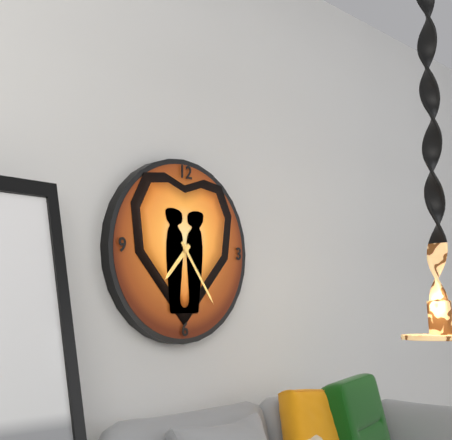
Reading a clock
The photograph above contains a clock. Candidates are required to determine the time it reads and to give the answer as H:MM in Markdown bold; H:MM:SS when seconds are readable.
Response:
**7:24**
